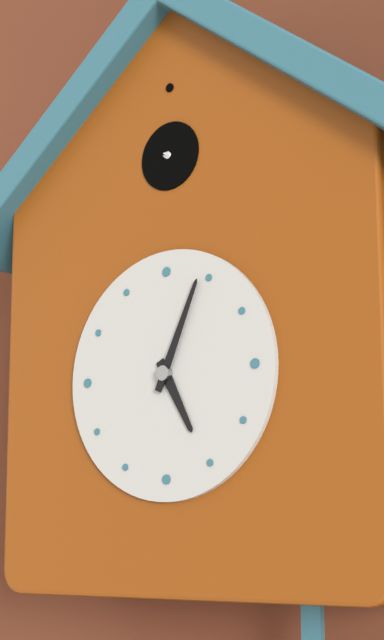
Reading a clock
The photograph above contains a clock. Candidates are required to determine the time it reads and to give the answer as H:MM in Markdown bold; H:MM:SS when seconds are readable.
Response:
**5:04**
